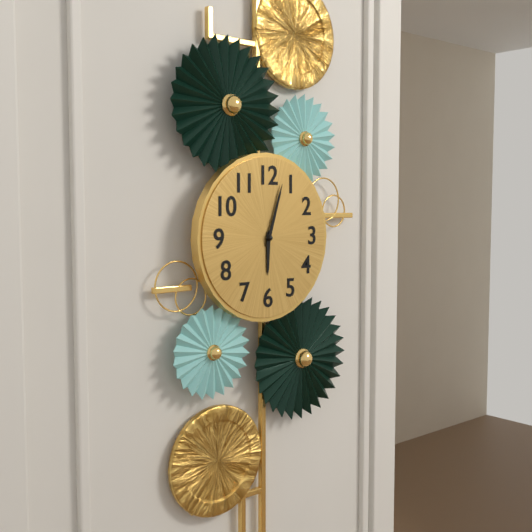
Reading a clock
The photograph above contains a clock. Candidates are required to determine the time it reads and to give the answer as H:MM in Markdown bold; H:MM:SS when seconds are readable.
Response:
**6:03**
